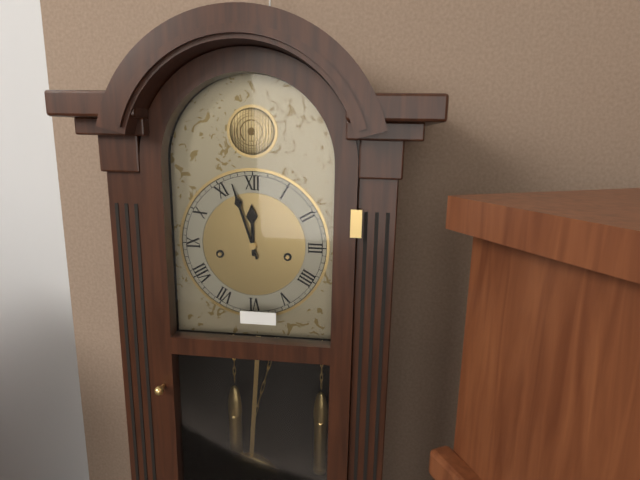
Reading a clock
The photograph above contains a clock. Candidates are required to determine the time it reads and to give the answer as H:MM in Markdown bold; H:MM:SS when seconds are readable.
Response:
**11:57**
